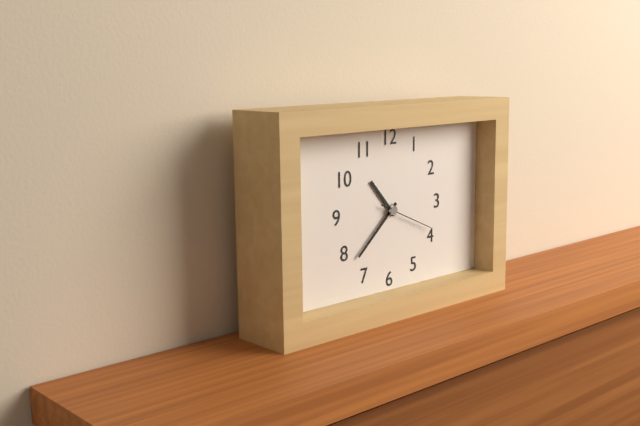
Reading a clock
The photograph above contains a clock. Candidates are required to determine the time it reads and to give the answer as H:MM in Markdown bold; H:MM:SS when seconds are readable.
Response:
**10:38:19**
